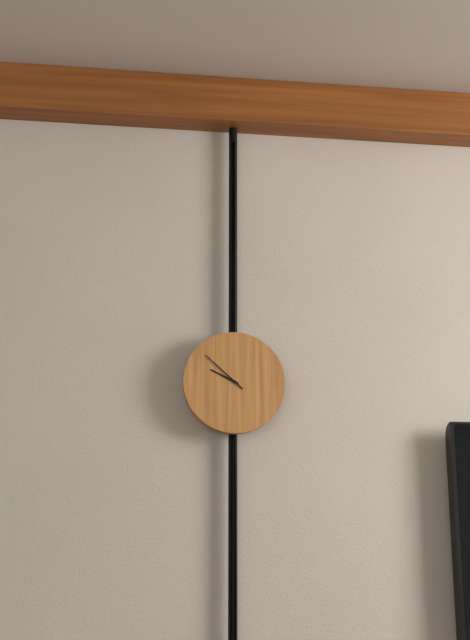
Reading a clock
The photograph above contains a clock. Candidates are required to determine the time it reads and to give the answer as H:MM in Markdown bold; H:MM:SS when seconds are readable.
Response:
**9:52**
